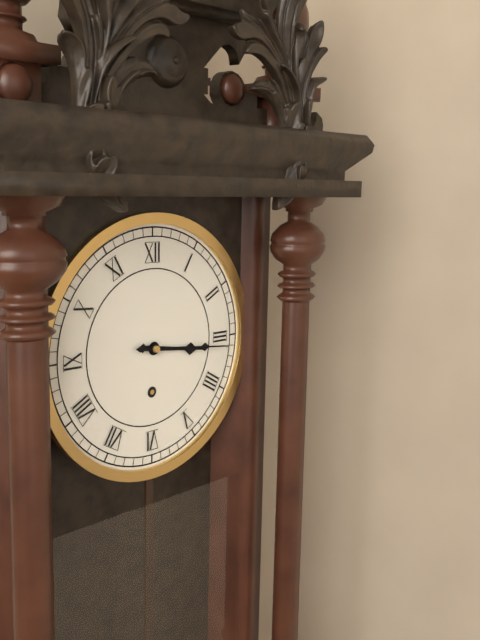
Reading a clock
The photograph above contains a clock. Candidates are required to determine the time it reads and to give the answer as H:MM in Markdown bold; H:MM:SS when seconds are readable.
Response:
**3:16**
